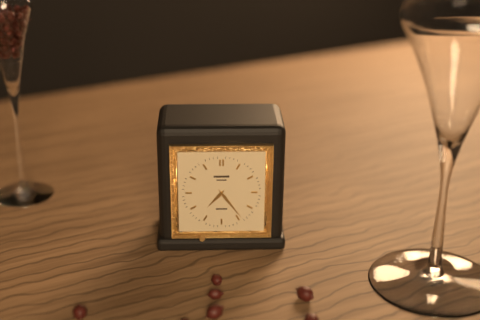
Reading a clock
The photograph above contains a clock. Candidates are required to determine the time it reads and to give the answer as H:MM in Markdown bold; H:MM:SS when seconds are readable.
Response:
**7:24**
